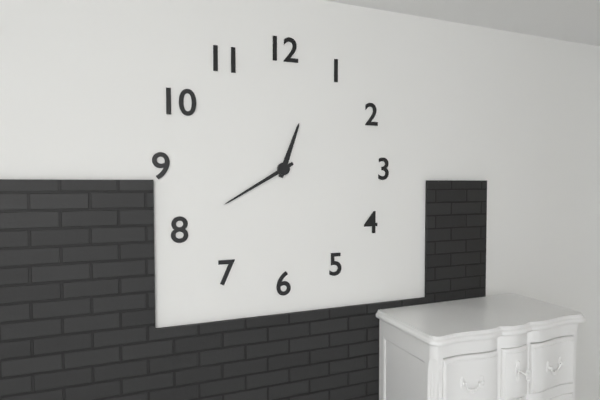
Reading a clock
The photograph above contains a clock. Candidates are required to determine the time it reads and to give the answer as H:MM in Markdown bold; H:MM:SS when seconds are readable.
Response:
**12:40**
